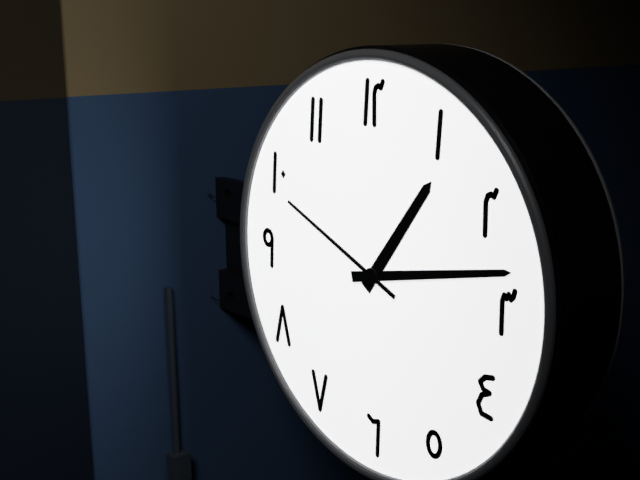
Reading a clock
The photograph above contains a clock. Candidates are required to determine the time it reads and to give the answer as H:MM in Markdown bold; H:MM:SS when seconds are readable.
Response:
**1:13:49**
